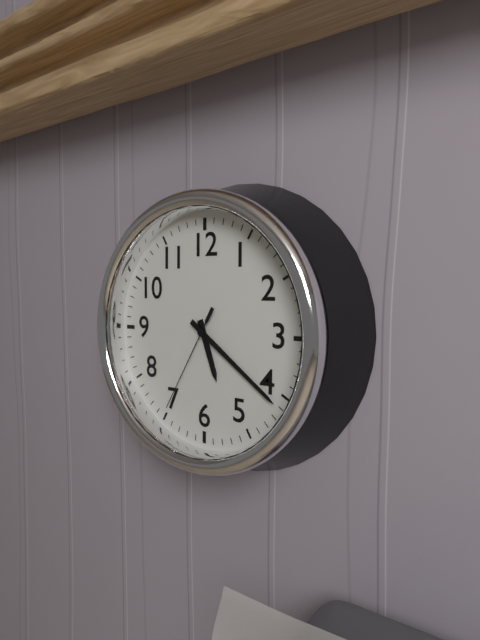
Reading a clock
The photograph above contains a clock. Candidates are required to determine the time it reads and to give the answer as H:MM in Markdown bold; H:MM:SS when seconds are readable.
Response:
**5:21:35**
